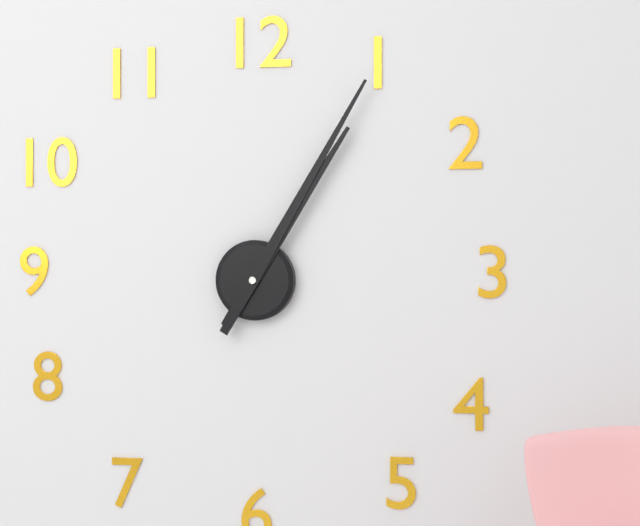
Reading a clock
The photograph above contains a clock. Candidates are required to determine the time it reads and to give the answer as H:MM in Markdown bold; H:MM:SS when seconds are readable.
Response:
**1:05**
